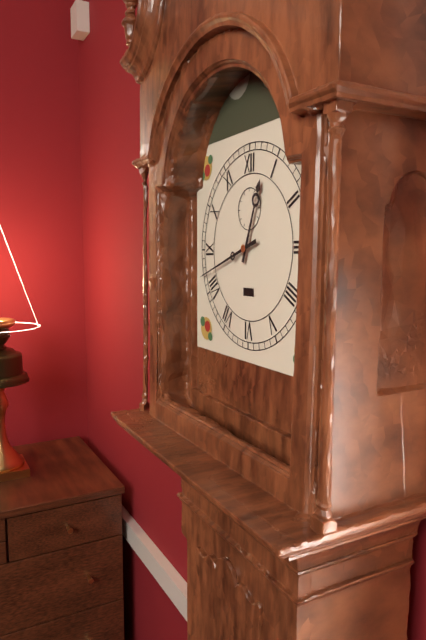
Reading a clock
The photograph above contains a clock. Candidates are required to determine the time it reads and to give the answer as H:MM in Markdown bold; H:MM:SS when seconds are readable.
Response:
**12:42**
